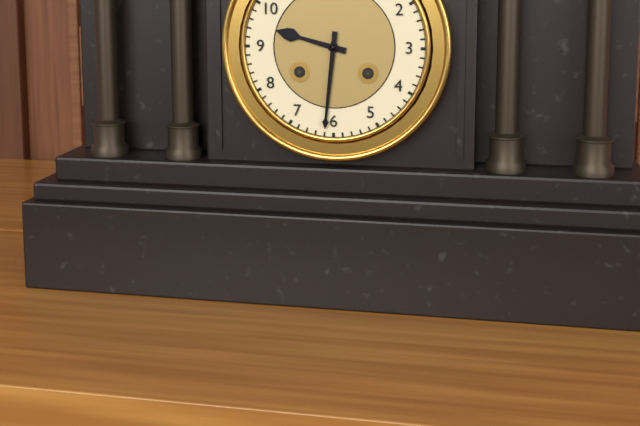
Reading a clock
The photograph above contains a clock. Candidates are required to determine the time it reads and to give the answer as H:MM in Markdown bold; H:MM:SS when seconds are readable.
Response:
**9:31**
